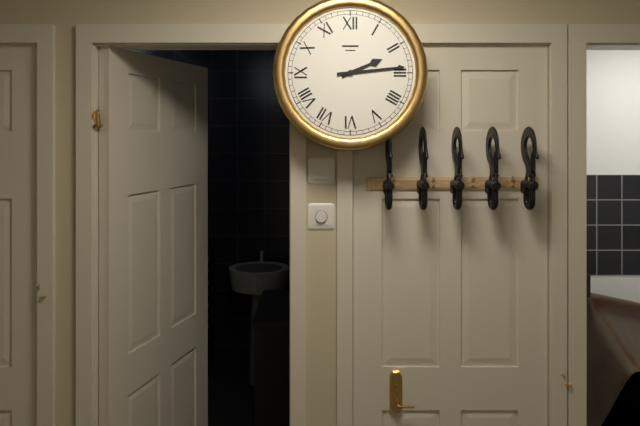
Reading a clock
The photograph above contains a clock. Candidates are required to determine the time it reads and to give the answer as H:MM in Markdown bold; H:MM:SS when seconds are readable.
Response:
**2:14**
